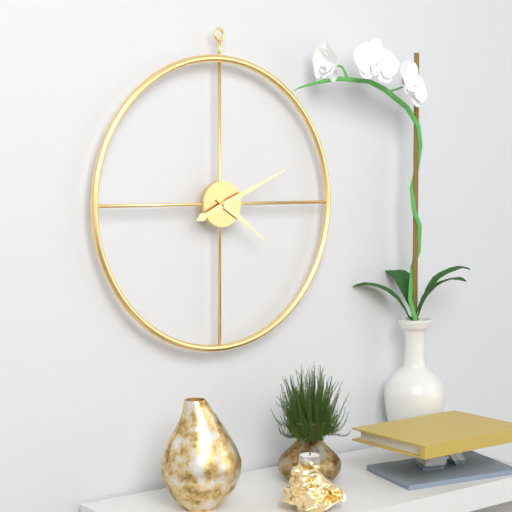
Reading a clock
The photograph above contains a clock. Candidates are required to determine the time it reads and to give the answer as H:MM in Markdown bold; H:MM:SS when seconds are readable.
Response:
**4:11**
